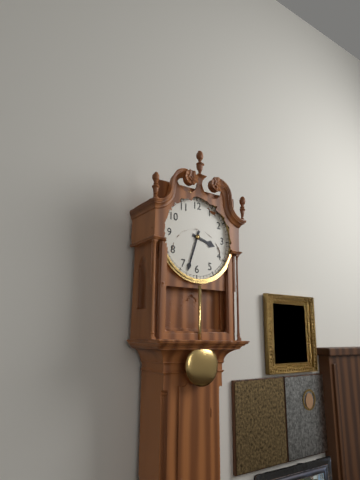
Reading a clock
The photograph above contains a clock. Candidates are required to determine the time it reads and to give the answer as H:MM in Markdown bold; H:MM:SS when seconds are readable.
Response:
**3:33**
